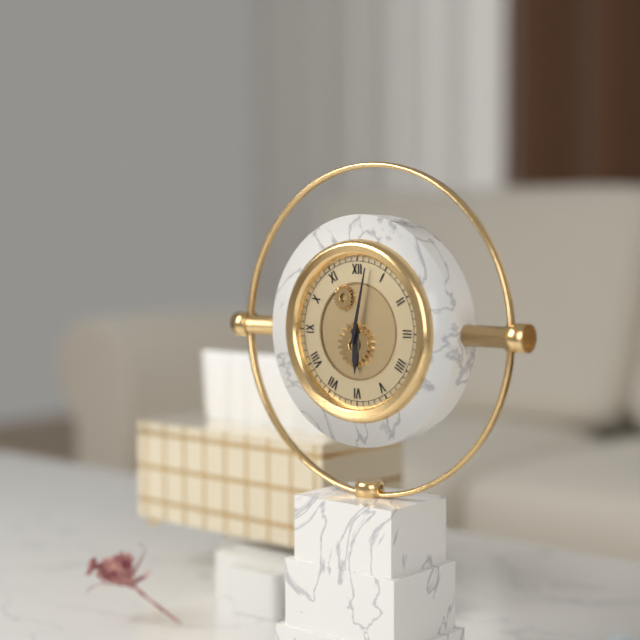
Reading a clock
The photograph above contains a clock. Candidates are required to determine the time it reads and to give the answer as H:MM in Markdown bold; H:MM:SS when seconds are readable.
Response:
**6:02**
